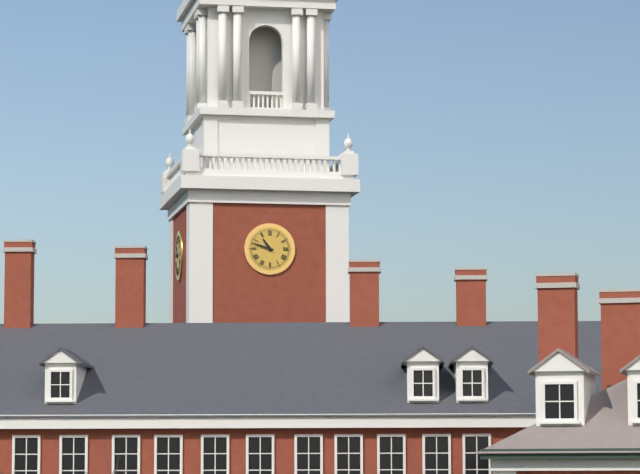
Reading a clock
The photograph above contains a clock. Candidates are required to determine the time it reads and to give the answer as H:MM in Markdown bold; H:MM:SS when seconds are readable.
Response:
**10:48**
